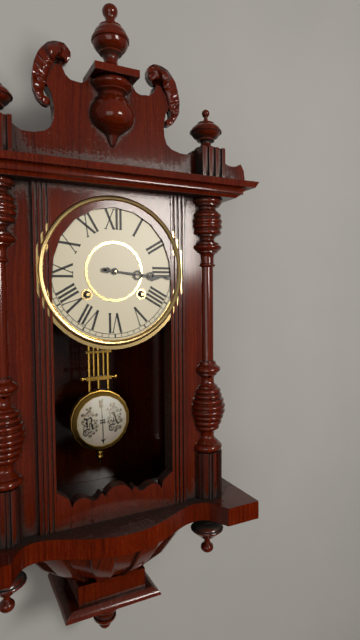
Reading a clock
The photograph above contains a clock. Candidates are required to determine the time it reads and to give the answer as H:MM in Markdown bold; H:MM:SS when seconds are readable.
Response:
**3:16**
